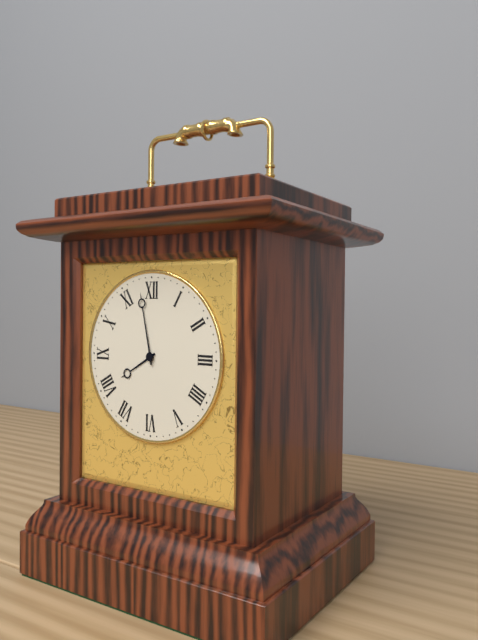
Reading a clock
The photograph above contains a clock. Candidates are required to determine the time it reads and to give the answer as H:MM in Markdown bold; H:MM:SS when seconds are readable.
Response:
**7:58**
